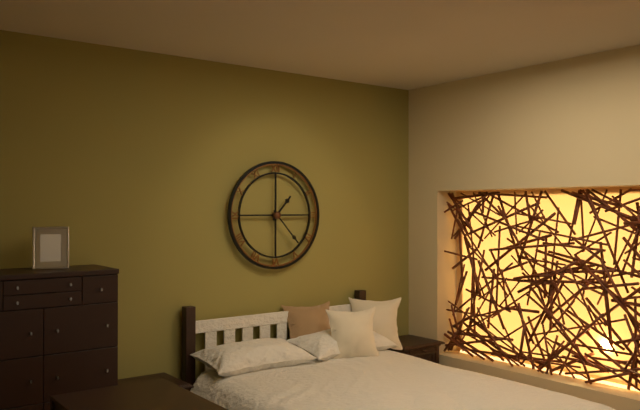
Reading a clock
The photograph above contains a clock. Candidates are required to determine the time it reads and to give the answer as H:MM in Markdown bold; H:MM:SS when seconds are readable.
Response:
**1:23**
